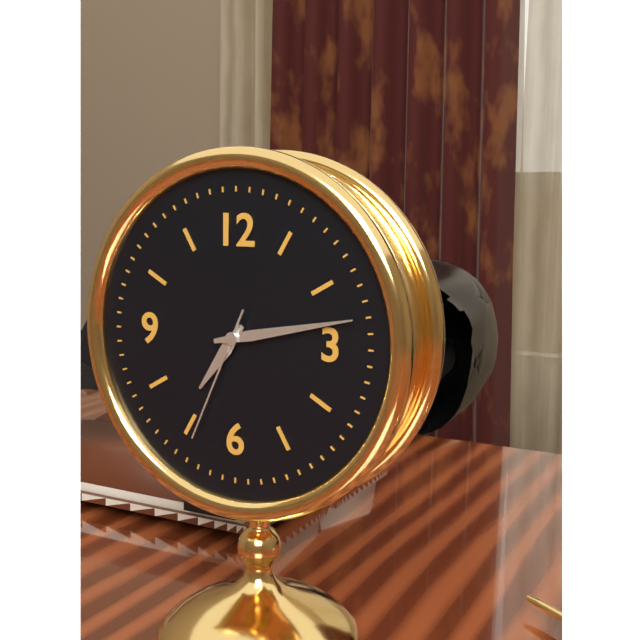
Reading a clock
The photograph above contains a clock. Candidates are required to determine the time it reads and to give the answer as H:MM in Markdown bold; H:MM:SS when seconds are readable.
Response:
**7:13:34**
